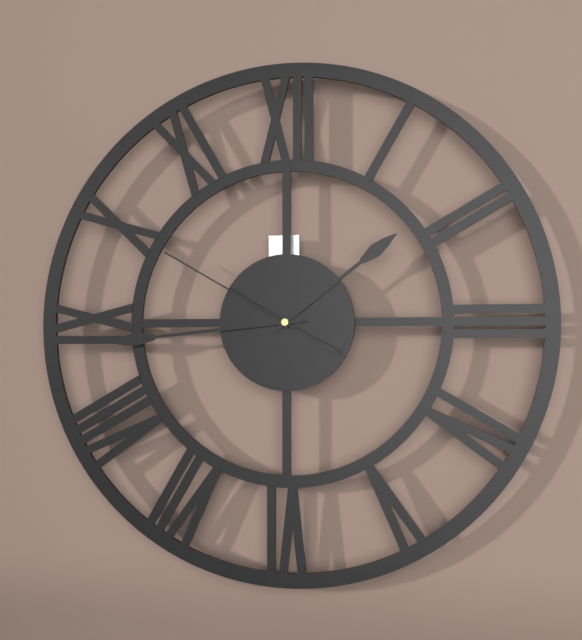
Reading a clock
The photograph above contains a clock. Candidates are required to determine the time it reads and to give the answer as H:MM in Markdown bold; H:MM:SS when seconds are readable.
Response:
**1:44:50**
